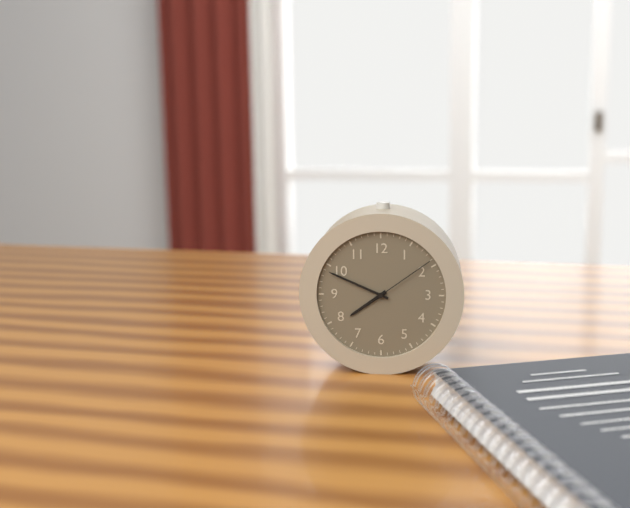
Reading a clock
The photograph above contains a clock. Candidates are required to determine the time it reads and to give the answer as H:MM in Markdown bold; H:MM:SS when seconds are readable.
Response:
**7:49:09**
